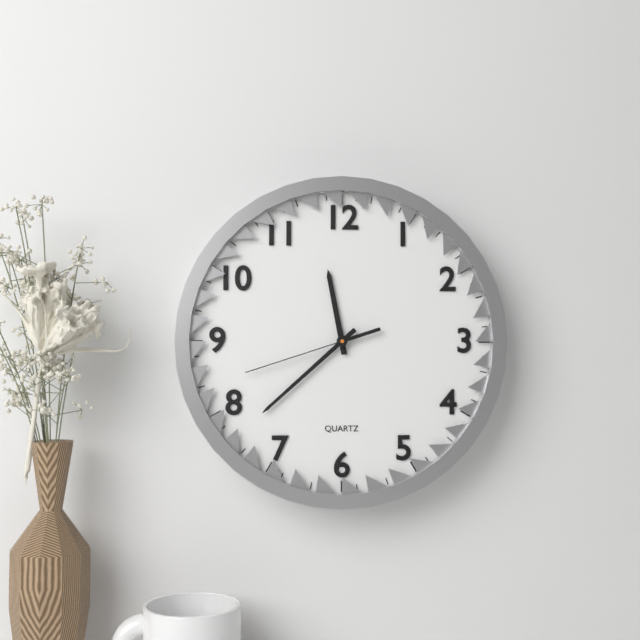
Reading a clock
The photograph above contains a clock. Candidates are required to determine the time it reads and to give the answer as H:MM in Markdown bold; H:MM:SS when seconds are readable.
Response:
**11:38:42**
